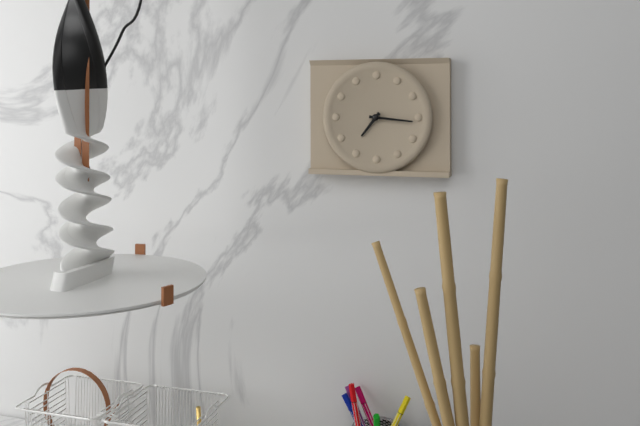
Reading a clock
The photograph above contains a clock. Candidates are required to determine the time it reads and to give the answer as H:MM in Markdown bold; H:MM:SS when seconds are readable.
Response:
**7:16**
